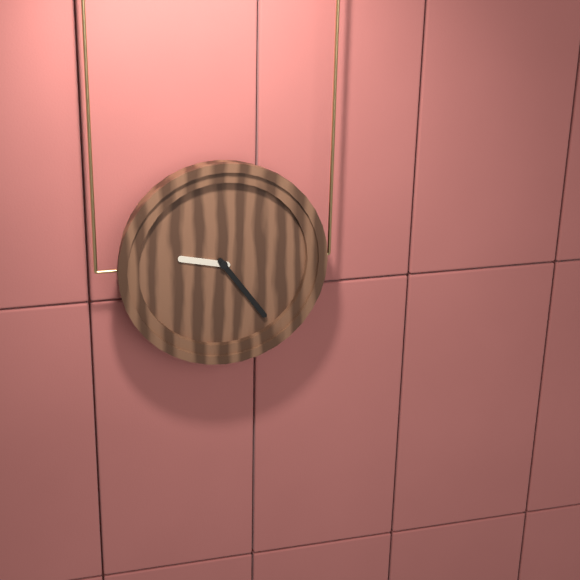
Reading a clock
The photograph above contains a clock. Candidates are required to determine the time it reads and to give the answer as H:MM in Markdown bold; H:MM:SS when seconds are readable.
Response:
**9:24**
